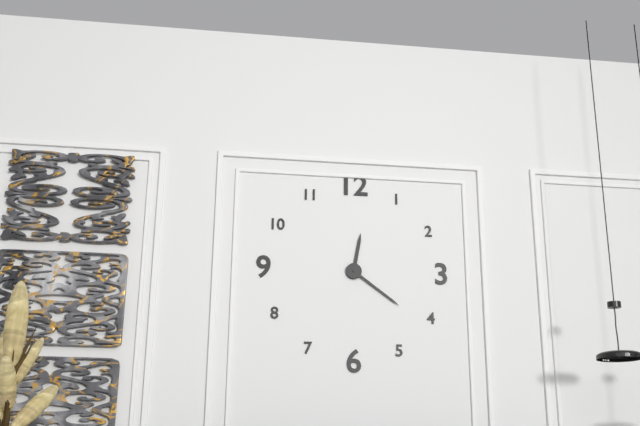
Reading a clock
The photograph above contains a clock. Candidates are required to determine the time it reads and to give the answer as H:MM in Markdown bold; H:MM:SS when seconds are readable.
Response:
**12:21**
